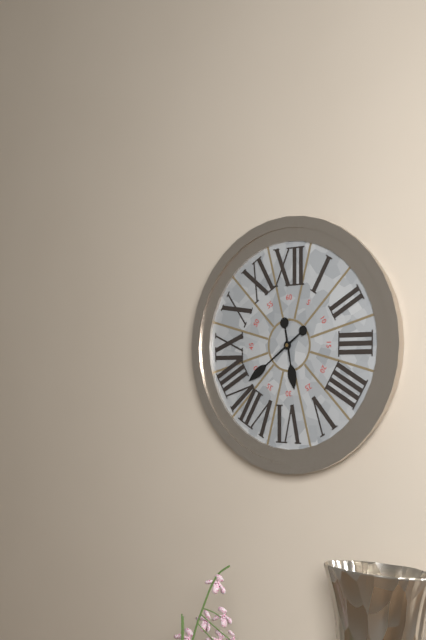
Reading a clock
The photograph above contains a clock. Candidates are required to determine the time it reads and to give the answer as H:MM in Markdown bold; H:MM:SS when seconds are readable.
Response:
**5:39**
